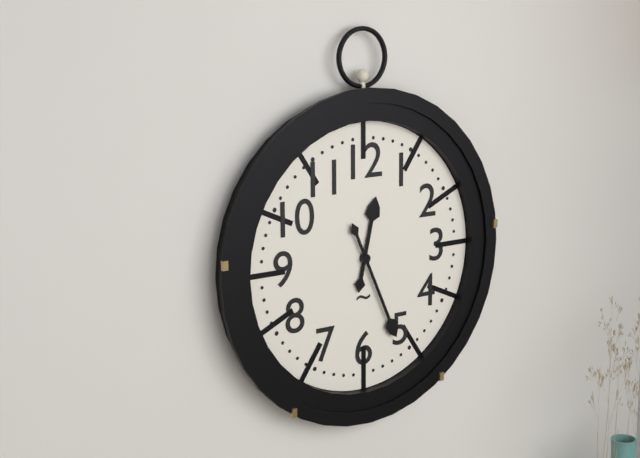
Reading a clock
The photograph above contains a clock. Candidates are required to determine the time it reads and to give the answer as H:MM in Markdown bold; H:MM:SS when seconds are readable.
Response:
**12:26**
